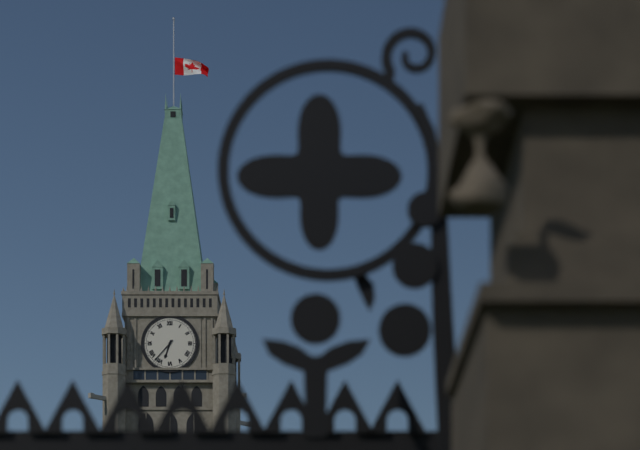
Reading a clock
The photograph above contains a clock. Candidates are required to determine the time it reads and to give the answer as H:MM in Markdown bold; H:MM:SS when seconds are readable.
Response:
**6:37**
